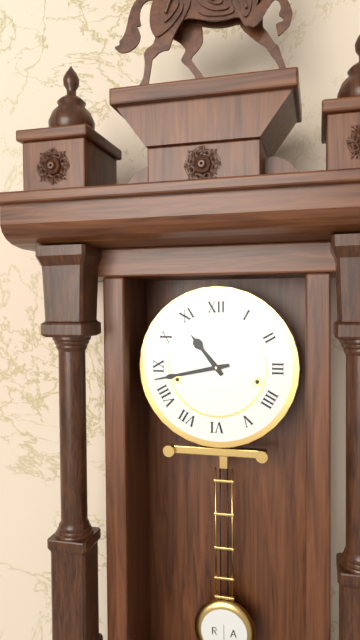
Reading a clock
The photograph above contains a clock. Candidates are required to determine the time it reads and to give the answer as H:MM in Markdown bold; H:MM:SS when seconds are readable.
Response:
**10:43**
